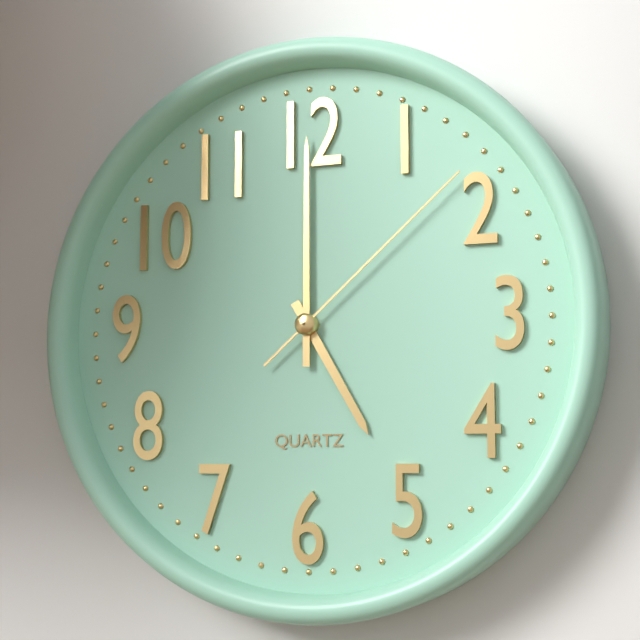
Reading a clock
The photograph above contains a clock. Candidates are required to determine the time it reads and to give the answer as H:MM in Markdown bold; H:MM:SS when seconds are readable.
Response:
**5:00:08**
